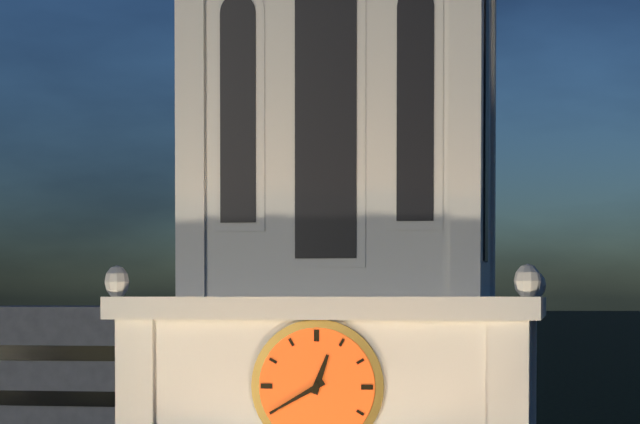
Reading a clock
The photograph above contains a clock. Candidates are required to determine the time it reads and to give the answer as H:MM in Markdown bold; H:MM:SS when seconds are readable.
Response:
**12:40**
